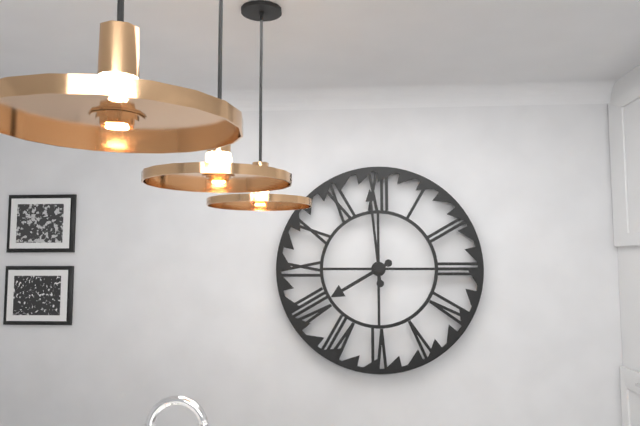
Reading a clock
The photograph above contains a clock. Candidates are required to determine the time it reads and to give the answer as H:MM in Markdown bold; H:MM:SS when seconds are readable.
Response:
**7:59**
